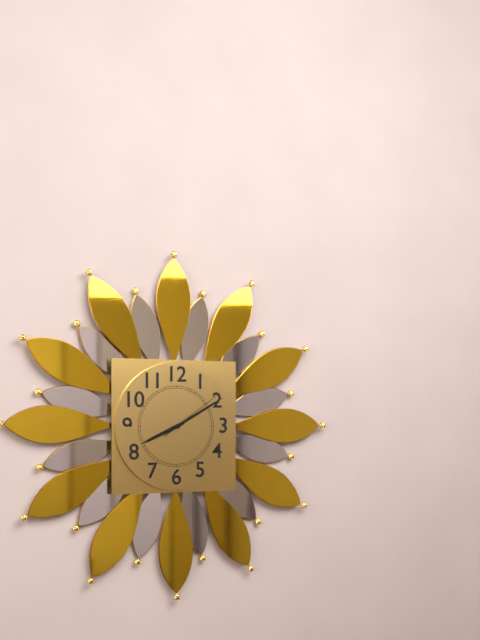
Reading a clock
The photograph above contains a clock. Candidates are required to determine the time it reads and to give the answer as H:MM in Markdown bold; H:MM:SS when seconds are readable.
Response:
**8:10:09**
